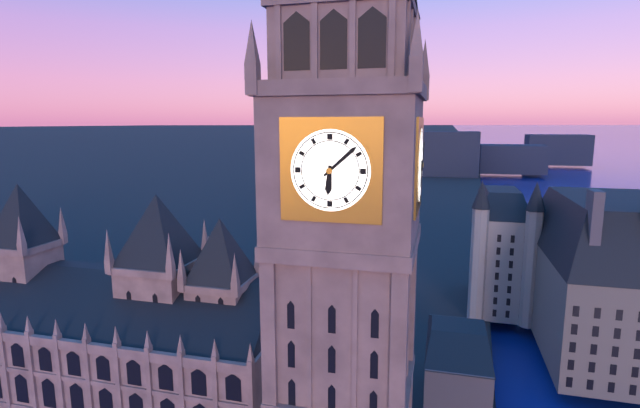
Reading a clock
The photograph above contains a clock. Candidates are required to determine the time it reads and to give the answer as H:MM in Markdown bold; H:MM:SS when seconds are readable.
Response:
**6:08**
